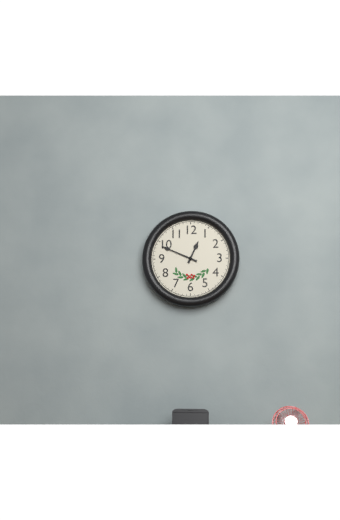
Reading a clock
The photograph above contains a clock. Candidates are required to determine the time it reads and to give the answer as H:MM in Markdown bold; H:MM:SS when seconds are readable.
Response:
**12:49**
